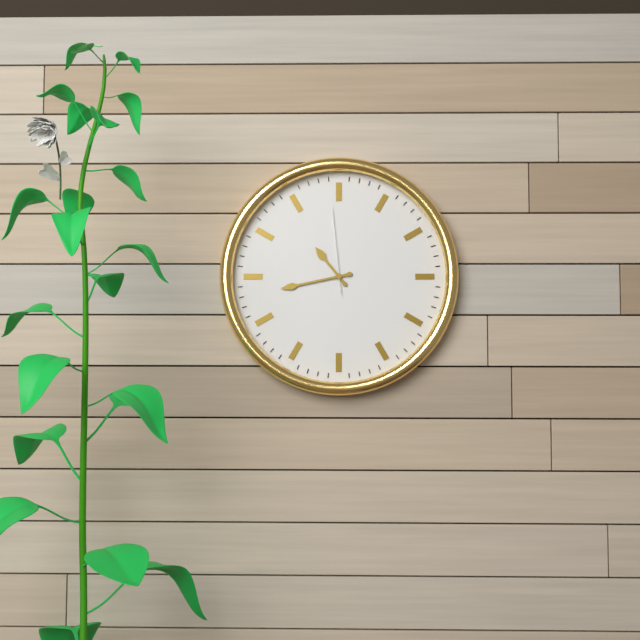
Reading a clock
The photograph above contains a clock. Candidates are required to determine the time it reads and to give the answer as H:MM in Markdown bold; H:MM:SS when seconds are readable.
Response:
**10:43:59**
